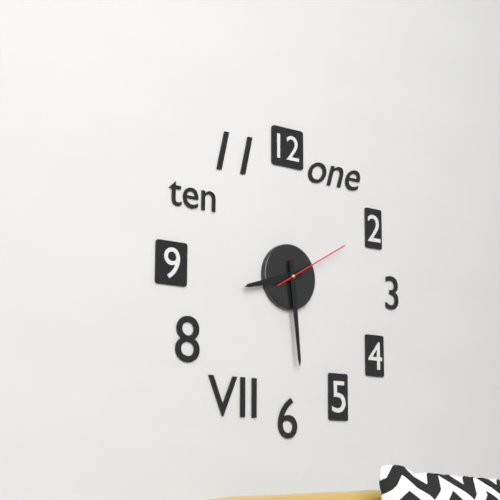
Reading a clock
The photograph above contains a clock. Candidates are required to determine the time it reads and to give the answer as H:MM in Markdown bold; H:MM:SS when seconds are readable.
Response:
**8:29:10**
